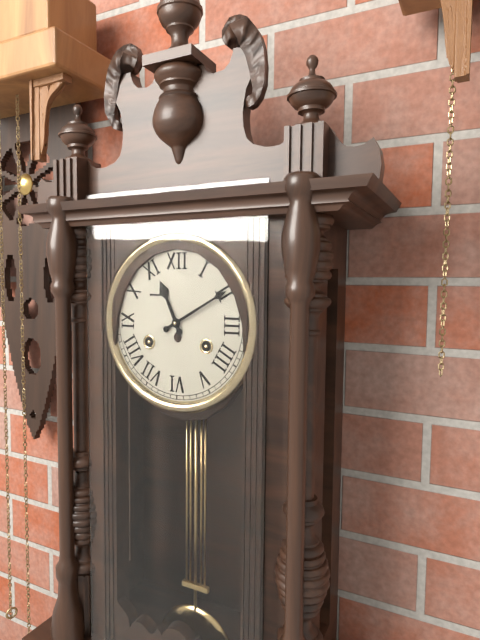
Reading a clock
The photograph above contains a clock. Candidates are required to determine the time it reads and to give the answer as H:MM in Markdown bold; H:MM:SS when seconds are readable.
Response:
**11:10**
